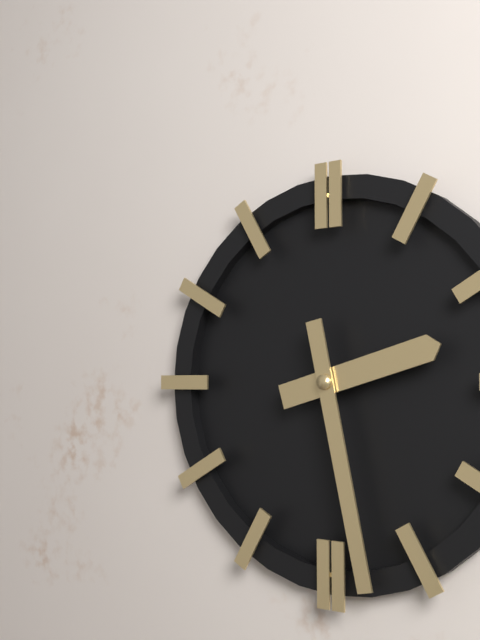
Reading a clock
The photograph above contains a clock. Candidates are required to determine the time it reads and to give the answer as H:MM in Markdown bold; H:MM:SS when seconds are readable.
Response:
**2:28**
